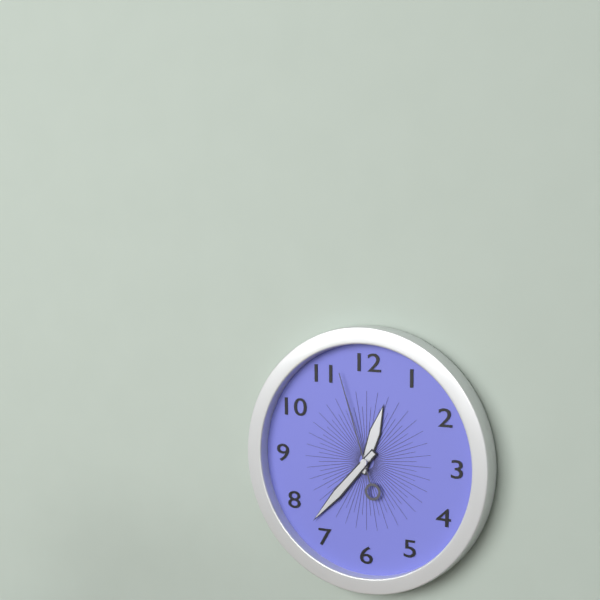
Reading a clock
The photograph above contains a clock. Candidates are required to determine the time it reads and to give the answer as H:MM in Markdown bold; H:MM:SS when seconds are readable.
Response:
**12:37:57**
